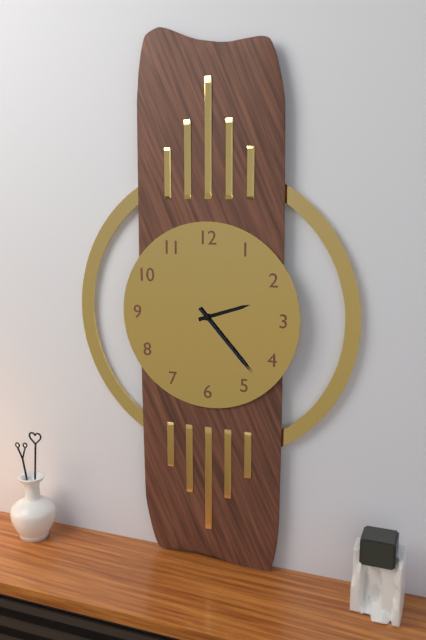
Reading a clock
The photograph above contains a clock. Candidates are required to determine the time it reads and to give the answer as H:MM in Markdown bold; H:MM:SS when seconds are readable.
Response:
**2:23**
